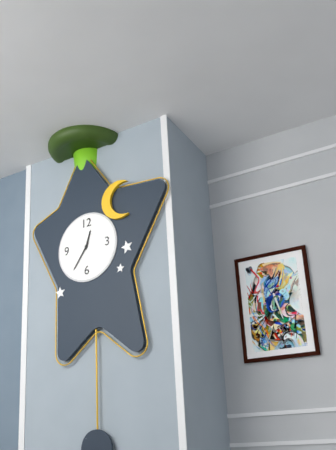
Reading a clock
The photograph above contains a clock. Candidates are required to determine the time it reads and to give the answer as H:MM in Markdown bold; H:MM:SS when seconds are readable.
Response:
**12:36**
